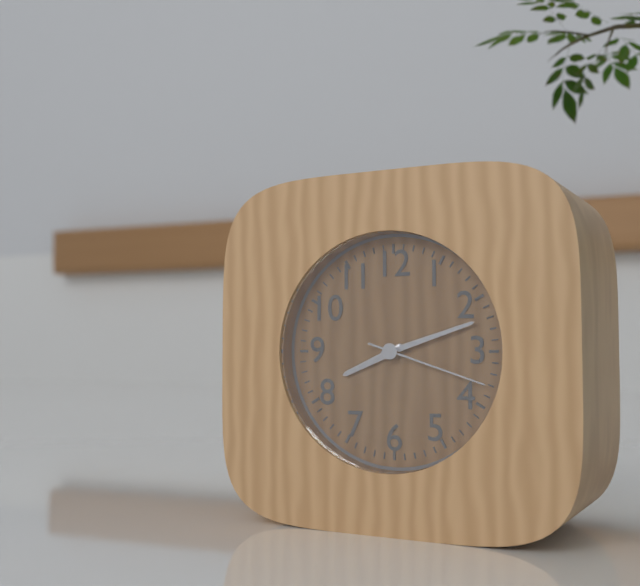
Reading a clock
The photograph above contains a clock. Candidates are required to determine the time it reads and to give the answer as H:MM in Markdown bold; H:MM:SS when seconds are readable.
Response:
**8:12:18**
